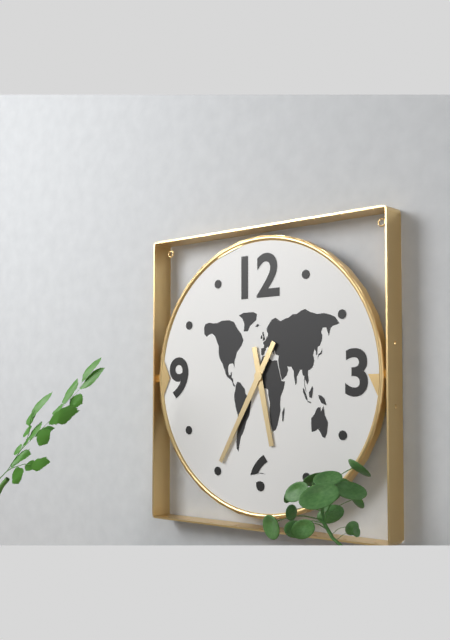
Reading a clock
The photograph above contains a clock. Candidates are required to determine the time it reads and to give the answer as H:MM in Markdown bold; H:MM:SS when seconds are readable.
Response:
**5:35**
